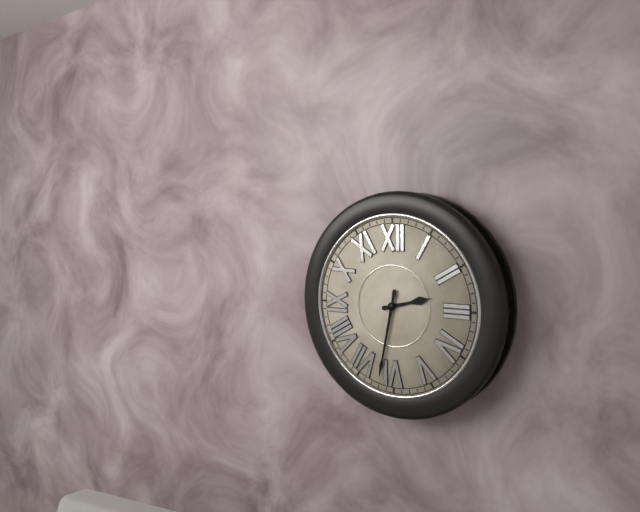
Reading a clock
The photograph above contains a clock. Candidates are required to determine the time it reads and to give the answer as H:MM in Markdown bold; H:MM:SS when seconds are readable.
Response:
**2:32**
